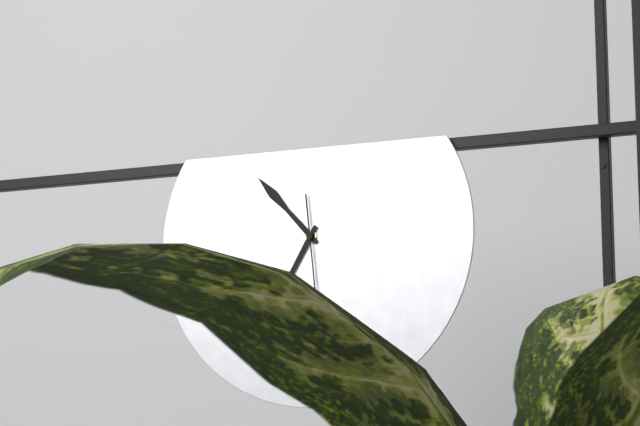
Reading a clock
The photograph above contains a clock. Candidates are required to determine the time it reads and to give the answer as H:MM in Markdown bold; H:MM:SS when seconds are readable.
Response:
**10:35:29**
